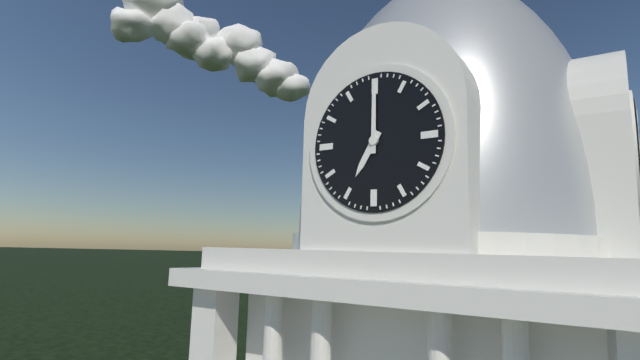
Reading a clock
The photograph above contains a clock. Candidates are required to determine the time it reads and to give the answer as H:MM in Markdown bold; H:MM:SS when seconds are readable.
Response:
**7:00**
